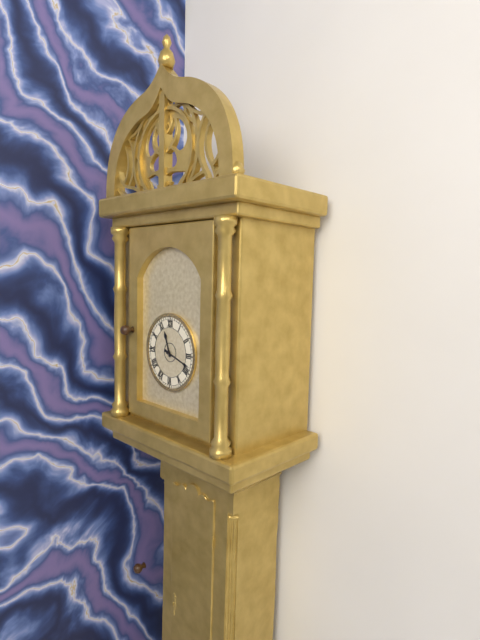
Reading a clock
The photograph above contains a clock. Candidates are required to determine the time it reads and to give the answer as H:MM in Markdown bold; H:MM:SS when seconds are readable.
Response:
**11:18**
